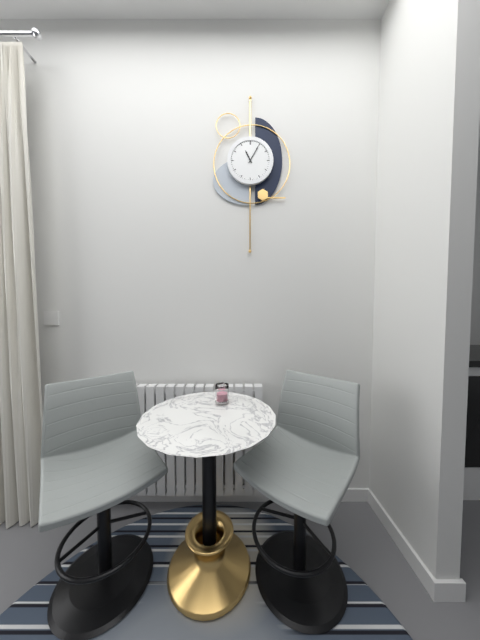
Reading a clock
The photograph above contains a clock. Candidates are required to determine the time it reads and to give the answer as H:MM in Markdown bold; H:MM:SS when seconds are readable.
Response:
**11:05**
